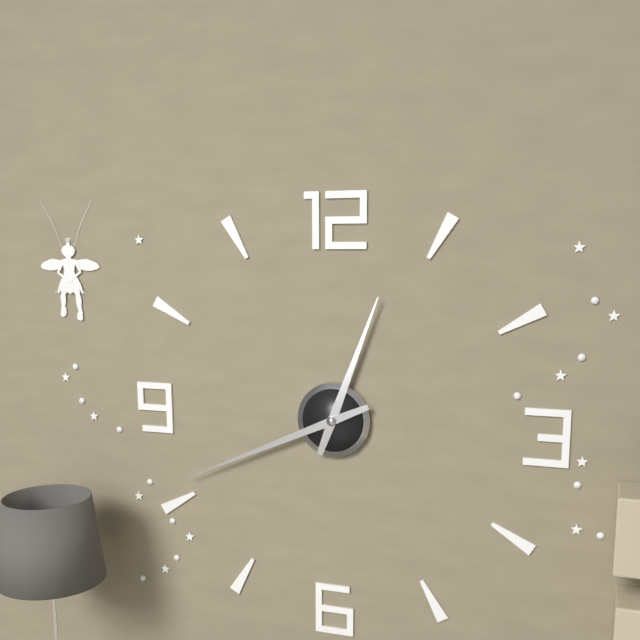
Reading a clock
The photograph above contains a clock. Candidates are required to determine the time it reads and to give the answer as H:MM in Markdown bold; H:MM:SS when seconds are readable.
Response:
**12:41**
